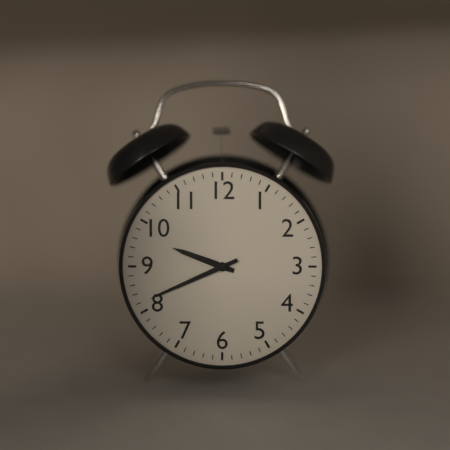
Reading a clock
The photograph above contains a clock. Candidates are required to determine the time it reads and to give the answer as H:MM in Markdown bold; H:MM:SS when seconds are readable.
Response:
**9:41**
